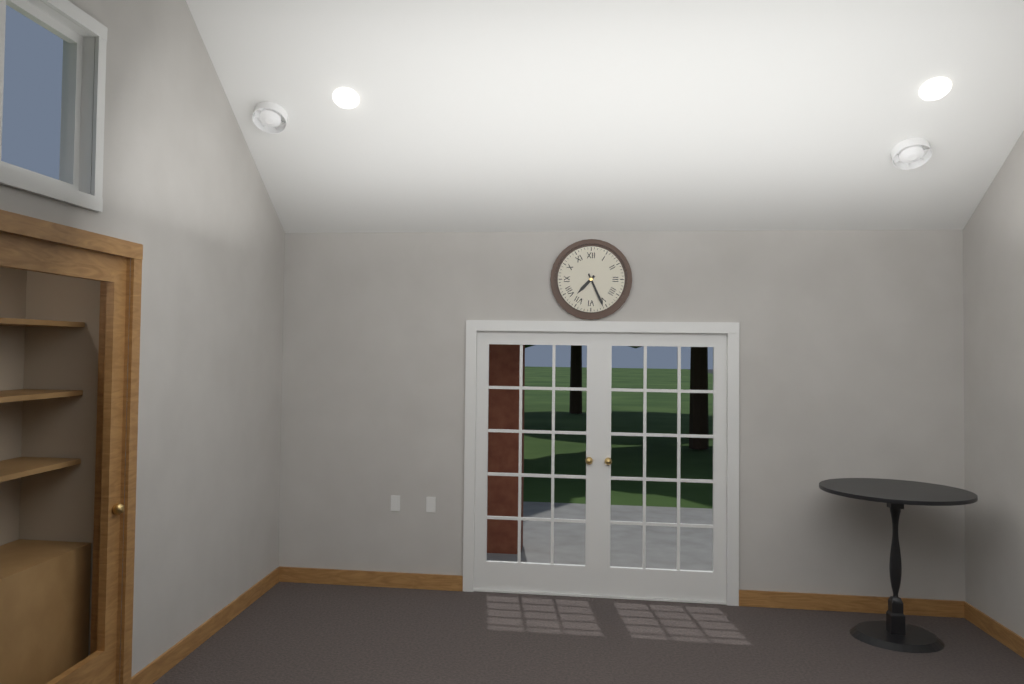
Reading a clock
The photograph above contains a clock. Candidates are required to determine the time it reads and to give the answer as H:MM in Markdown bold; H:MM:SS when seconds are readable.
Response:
**7:26**
